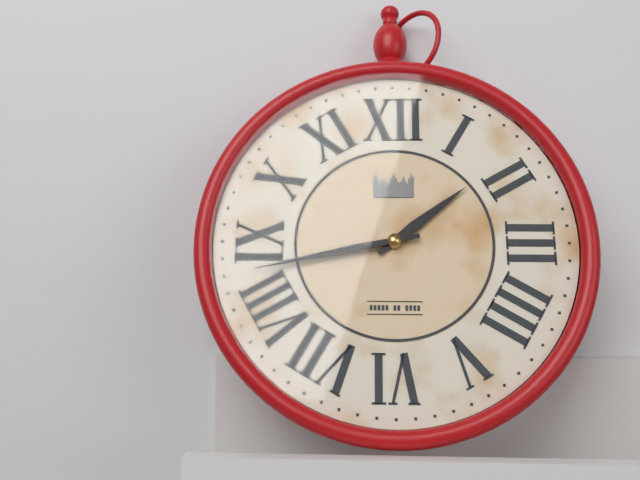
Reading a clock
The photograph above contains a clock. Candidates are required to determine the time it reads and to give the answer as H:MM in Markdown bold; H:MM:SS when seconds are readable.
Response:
**1:43**
